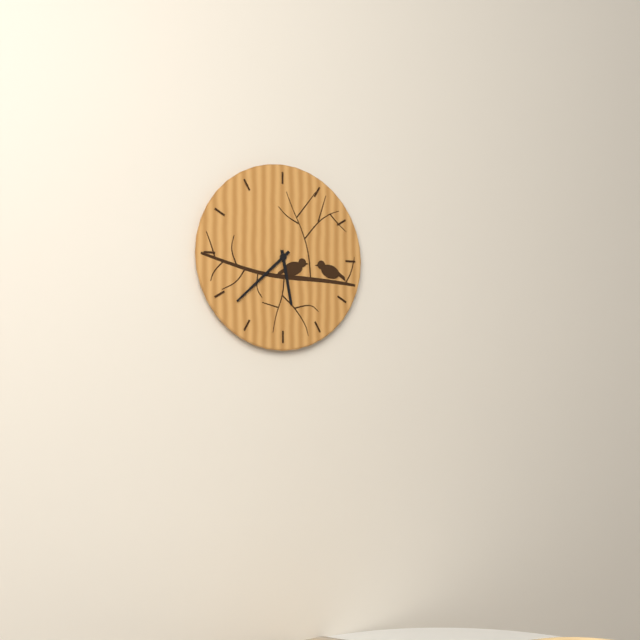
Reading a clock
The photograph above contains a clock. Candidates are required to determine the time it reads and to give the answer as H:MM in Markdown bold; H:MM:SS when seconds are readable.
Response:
**5:38**
